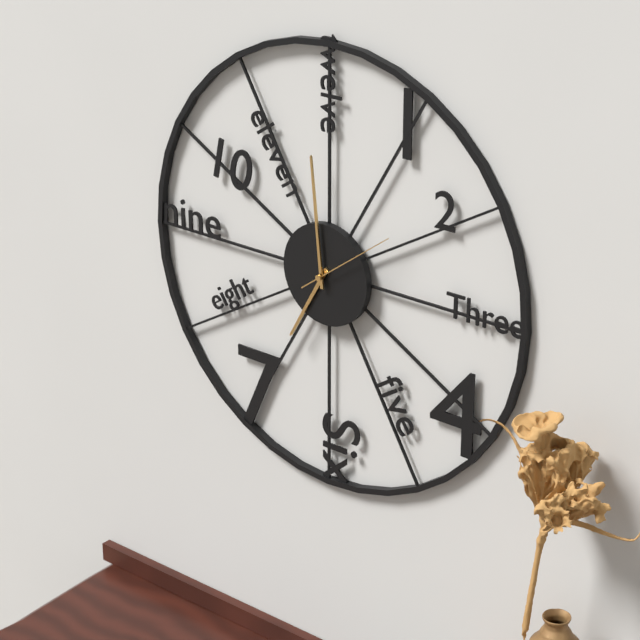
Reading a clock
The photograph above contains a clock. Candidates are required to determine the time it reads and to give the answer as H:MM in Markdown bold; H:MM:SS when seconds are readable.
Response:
**6:59:09**
